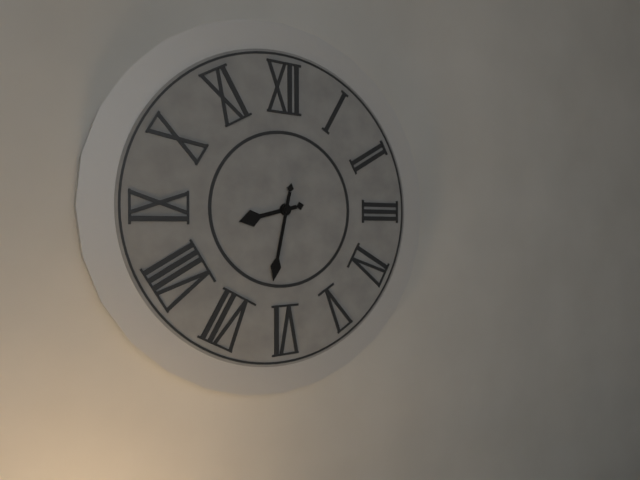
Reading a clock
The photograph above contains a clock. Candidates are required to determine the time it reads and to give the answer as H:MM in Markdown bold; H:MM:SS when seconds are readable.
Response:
**8:32**
